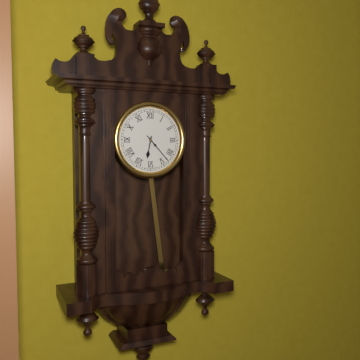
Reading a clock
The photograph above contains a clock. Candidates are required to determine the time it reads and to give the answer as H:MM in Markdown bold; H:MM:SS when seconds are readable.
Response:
**6:23**
